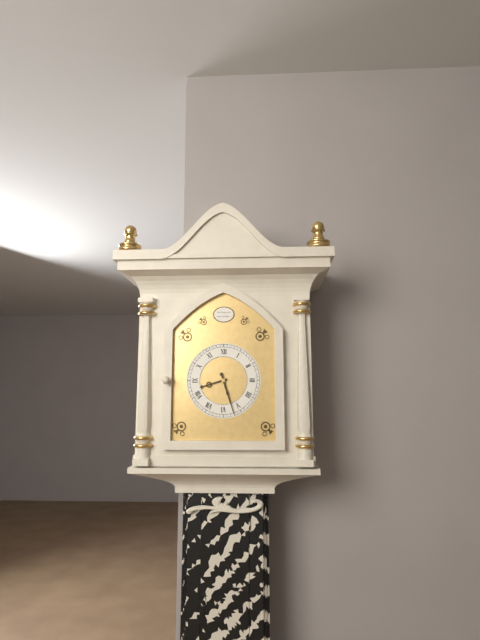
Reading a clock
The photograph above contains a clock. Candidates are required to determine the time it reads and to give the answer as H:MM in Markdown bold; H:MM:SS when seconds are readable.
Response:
**8:27**
